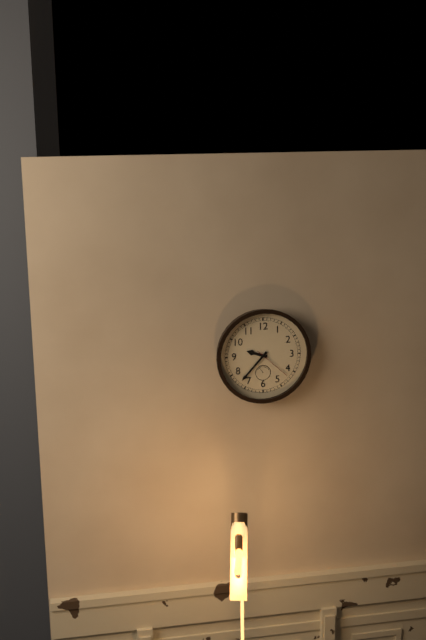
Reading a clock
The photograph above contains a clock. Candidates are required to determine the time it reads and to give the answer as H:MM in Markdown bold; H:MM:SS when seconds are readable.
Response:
**9:37**
